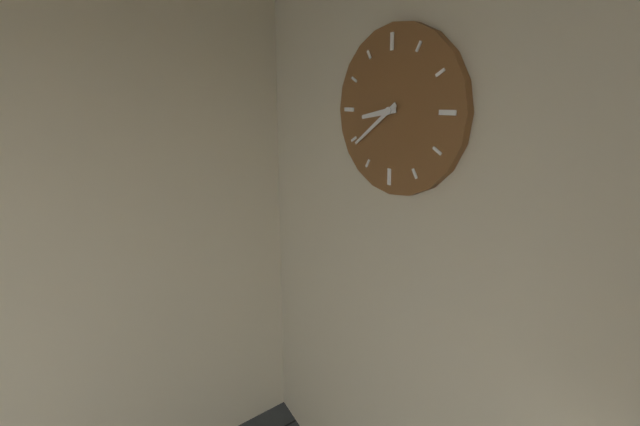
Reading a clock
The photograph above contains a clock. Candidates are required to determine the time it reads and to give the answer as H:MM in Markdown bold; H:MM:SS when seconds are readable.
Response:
**8:39**
